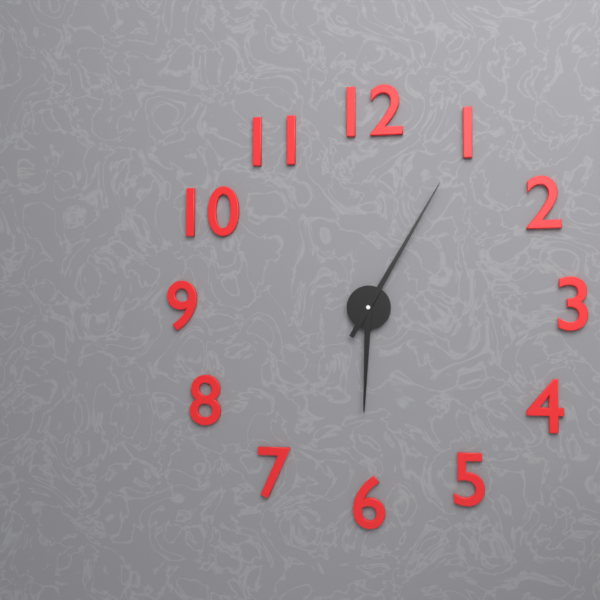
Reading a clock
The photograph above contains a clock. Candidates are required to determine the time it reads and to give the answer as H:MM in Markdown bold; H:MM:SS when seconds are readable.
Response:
**6:05**
